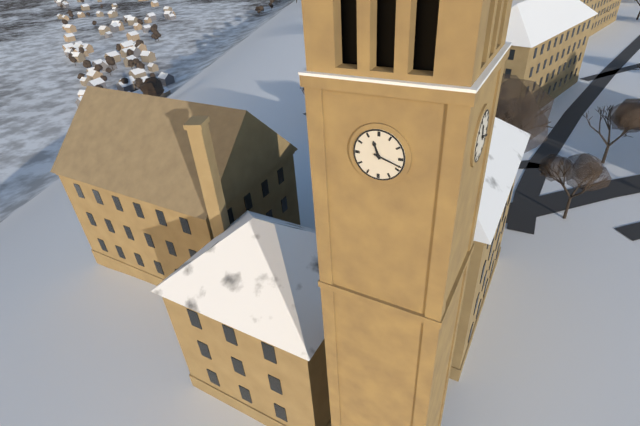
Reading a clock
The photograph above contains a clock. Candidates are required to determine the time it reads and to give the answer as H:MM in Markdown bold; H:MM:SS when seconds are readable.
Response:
**11:18**
